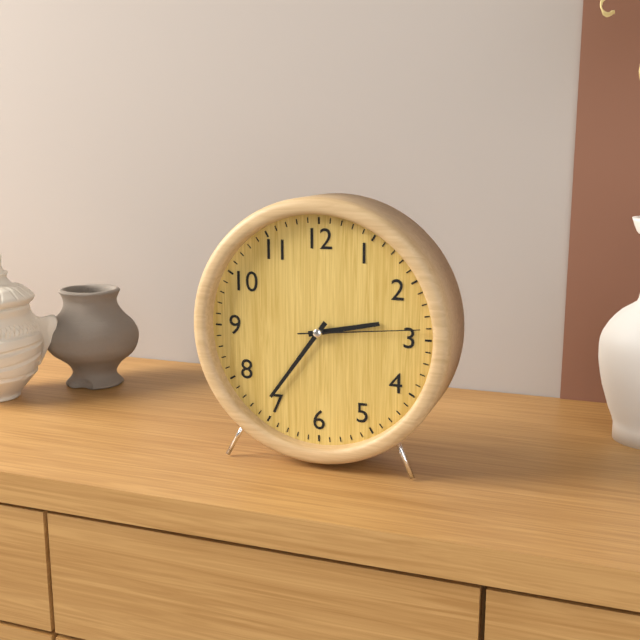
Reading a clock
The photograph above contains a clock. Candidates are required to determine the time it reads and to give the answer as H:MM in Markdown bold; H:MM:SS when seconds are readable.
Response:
**2:36:14**
